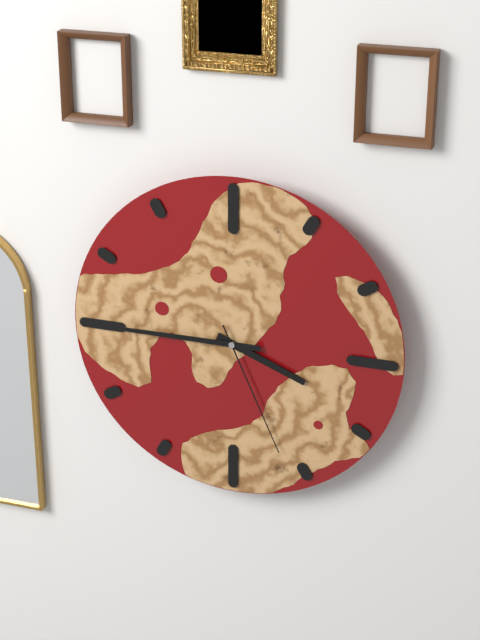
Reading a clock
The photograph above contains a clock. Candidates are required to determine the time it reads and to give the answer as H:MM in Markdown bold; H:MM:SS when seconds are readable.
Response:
**3:45:26**
